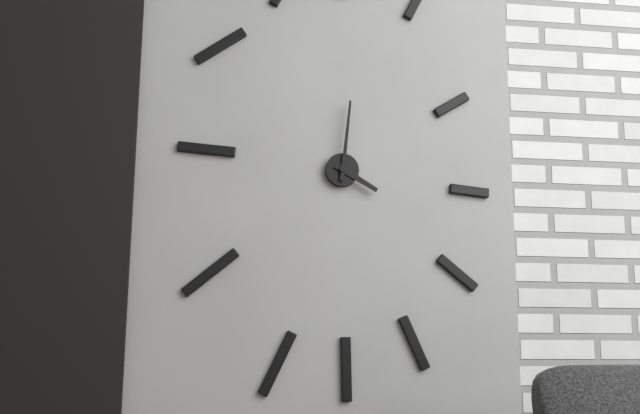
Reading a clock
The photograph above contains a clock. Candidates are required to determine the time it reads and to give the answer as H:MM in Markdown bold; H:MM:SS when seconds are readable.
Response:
**4:01**
